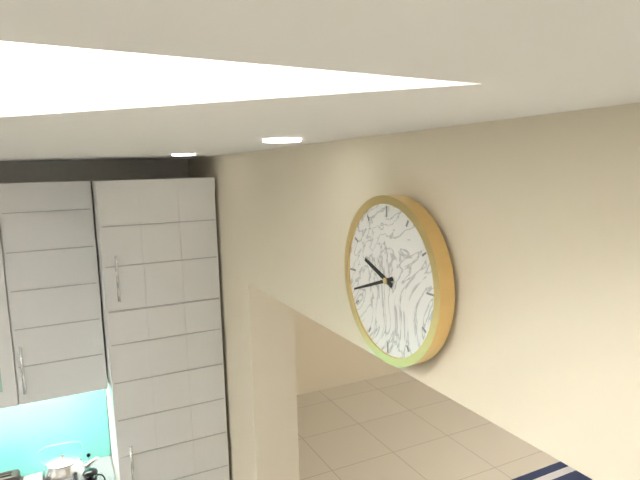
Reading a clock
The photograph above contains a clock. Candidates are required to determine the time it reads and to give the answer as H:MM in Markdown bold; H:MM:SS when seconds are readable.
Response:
**9:42**
